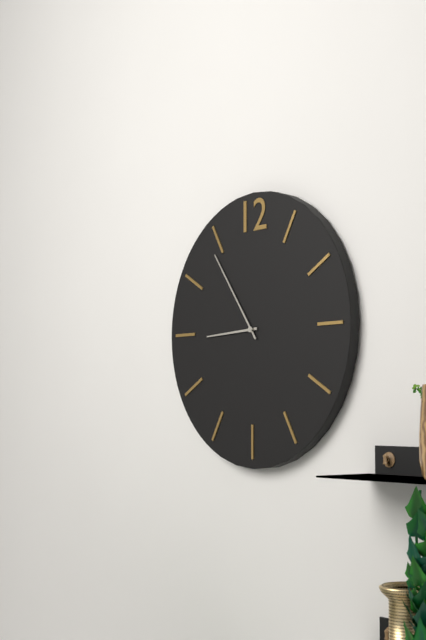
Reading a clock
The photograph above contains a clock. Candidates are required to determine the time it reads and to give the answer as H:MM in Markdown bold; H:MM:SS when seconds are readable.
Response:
**8:54**
